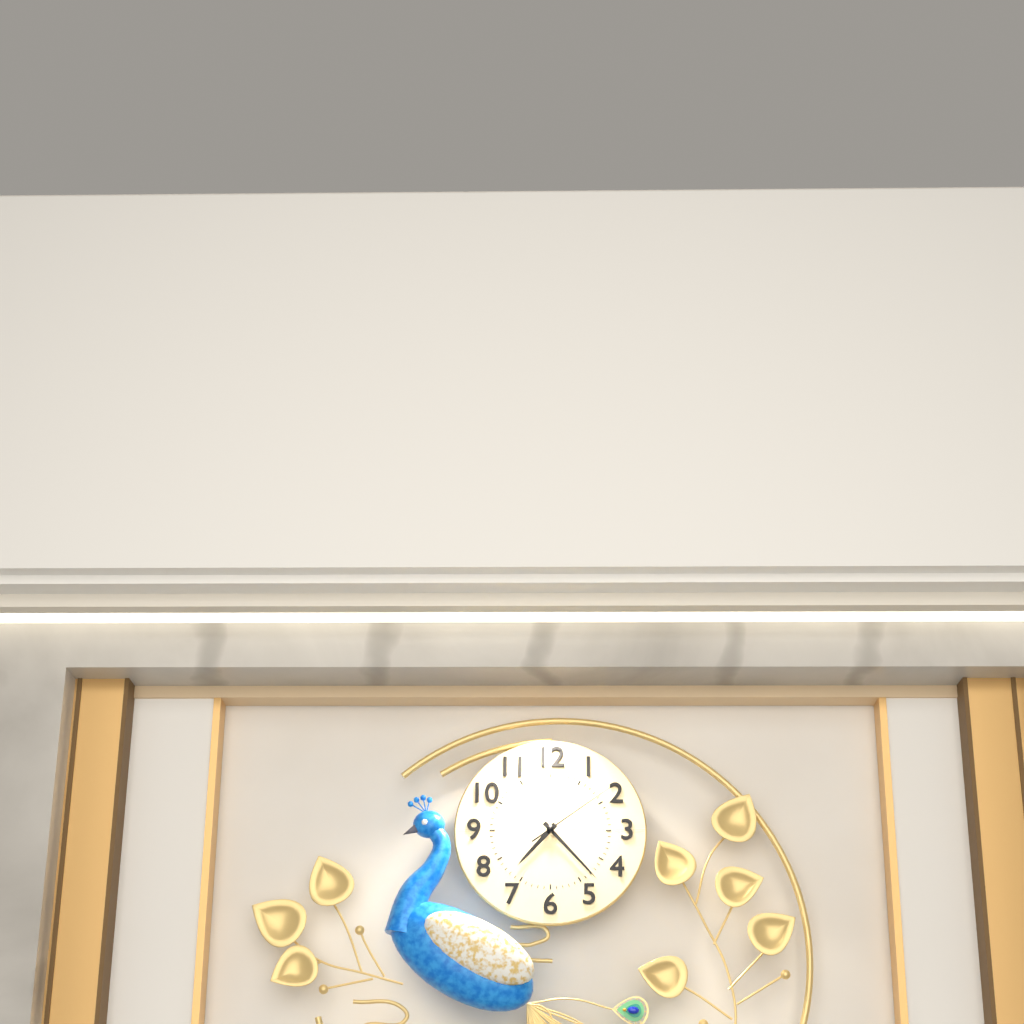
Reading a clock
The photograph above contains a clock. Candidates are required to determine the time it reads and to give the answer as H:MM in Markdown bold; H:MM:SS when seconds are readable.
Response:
**7:23:09**
